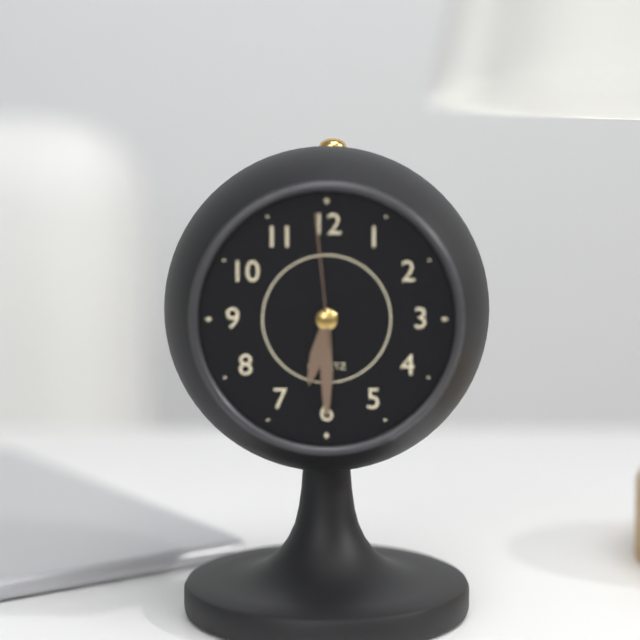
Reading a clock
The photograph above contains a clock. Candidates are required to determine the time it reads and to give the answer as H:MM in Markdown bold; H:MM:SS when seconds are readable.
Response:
**6:30:59**
